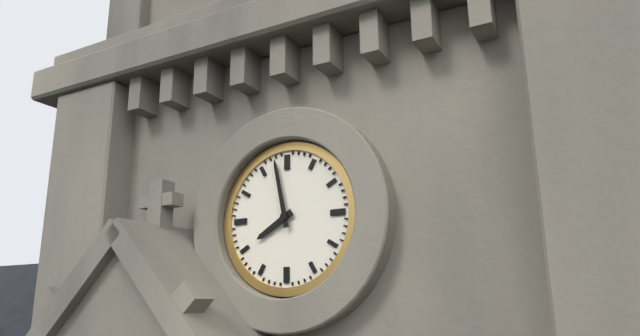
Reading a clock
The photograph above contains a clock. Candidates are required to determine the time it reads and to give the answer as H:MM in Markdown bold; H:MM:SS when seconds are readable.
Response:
**7:58**
